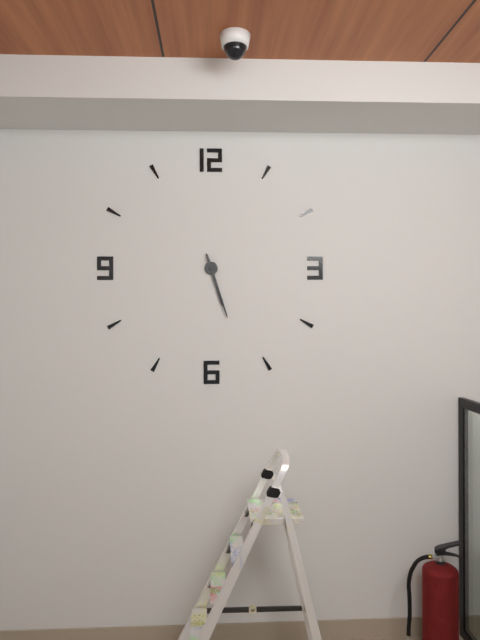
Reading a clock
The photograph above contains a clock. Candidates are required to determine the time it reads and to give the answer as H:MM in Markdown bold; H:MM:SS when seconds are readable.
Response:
**5:27**
